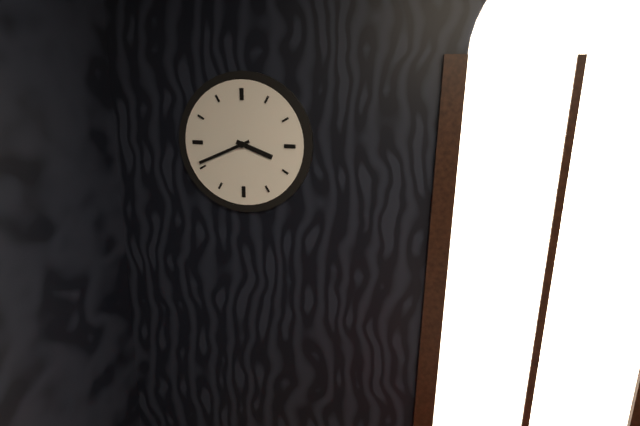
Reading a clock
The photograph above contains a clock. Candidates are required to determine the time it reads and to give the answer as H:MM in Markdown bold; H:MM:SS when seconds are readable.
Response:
**3:41**
